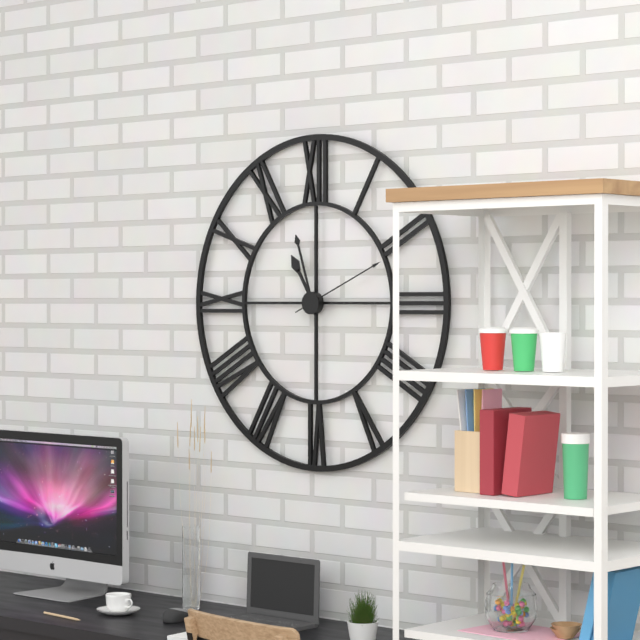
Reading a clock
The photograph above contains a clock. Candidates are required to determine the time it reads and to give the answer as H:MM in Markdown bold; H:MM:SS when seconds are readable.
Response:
**10:57:11**
